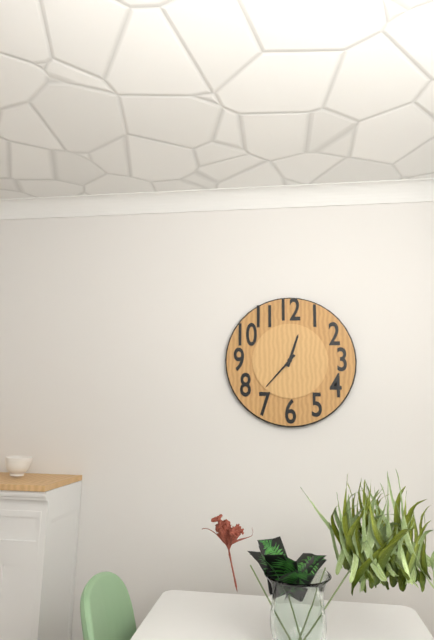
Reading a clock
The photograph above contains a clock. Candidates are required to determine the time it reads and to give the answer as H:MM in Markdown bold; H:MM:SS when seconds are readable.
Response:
**12:37**
